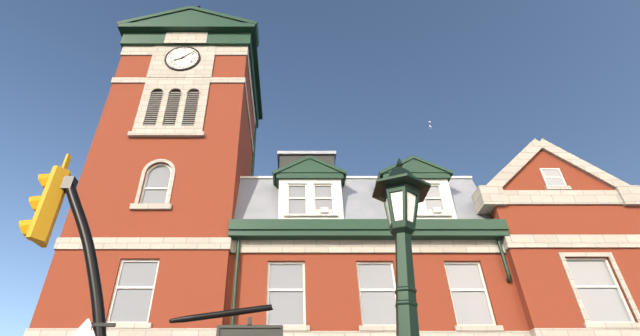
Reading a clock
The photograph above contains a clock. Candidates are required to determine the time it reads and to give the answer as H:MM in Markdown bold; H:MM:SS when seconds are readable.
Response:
**8:08**
